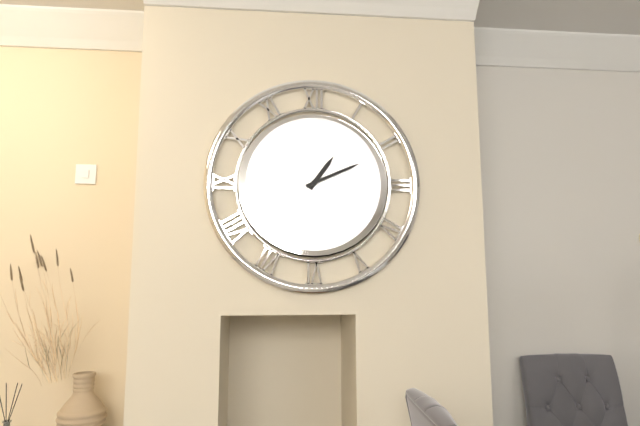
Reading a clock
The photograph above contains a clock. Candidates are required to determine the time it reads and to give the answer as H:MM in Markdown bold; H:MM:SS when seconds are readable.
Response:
**1:11**
